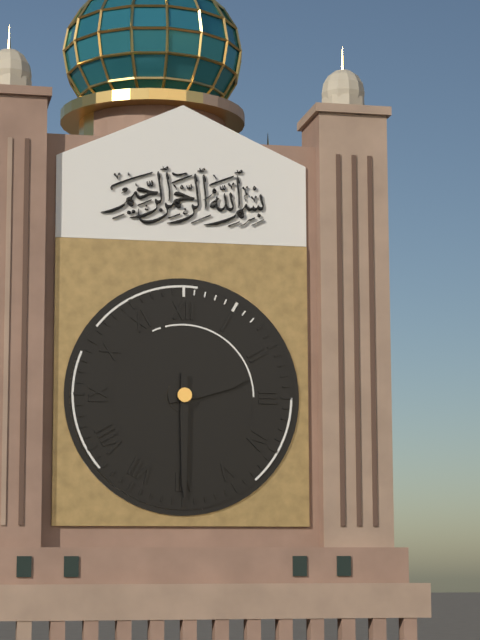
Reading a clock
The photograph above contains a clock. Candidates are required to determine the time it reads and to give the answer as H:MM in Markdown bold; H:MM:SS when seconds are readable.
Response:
**2:30**
